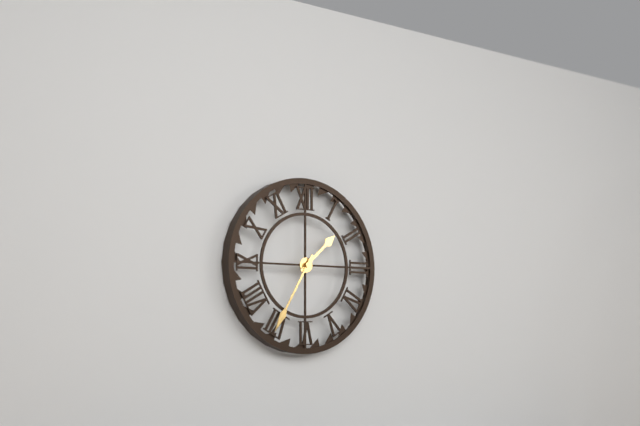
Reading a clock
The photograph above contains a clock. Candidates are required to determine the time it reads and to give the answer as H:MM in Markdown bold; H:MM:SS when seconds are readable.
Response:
**1:35**
